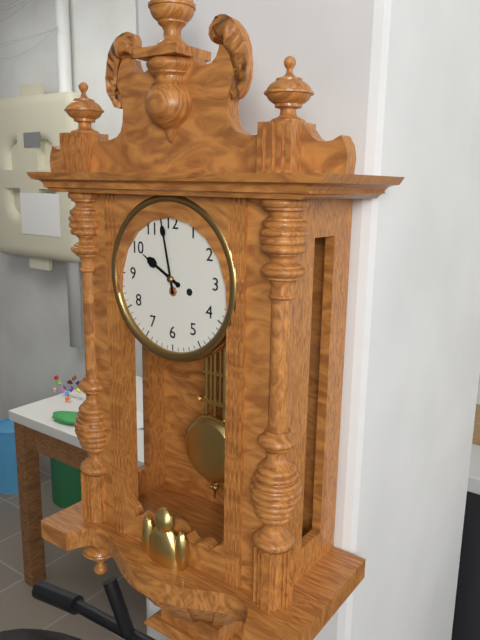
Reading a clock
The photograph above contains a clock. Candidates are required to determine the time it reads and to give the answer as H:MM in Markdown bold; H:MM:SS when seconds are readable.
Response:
**9:58**
